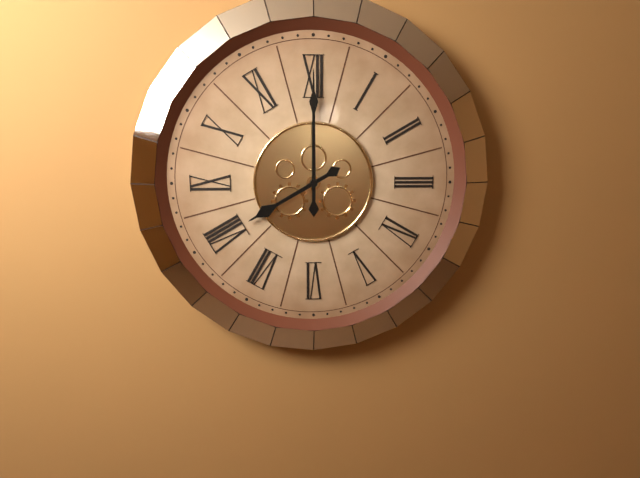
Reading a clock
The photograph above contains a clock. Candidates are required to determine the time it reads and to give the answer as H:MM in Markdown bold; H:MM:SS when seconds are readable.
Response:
**8:00**
